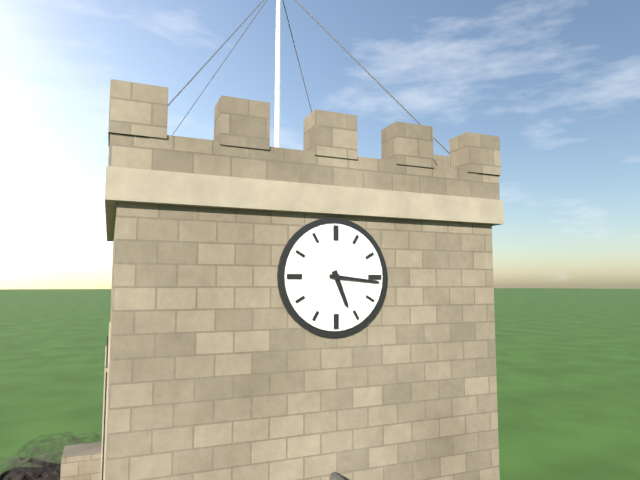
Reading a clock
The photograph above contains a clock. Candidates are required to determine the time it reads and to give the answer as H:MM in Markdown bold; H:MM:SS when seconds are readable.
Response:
**5:16**
